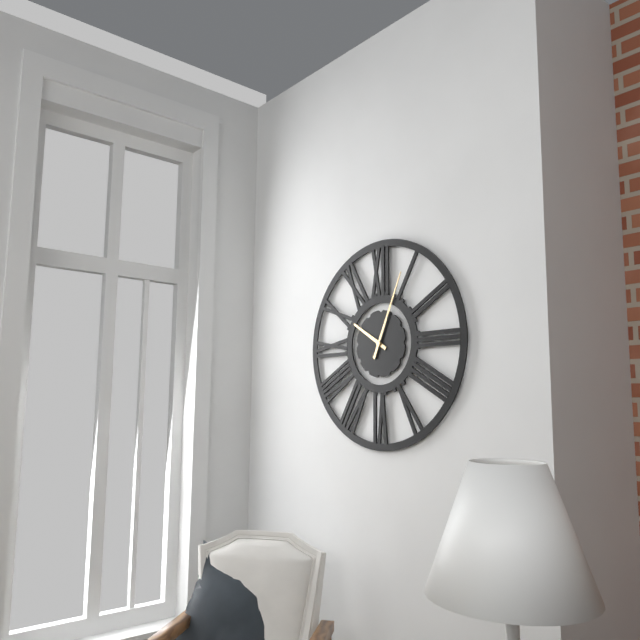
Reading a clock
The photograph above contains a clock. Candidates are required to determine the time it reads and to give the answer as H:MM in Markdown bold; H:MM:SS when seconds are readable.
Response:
**10:04**
